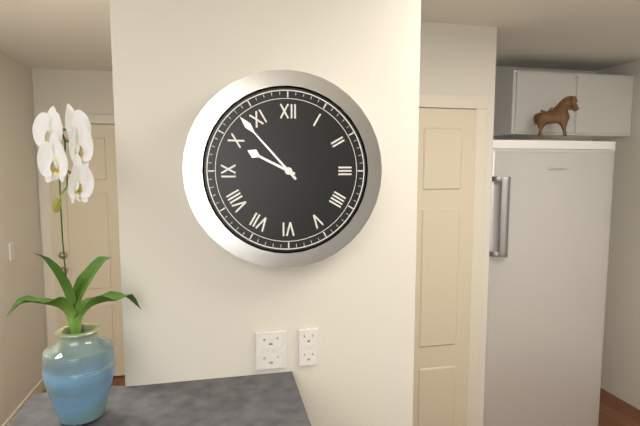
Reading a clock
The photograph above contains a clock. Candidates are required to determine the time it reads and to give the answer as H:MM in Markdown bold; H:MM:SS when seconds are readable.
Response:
**9:53**
